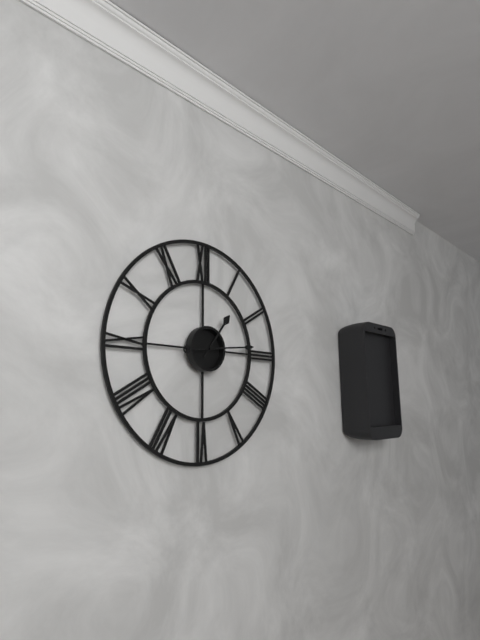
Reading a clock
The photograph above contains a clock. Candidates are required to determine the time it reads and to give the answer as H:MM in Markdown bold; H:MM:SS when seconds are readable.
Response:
**1:14**
